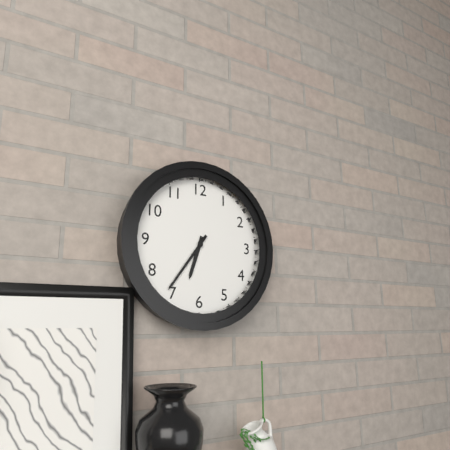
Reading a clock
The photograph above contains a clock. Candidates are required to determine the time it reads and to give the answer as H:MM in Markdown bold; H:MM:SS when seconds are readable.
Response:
**6:36**
